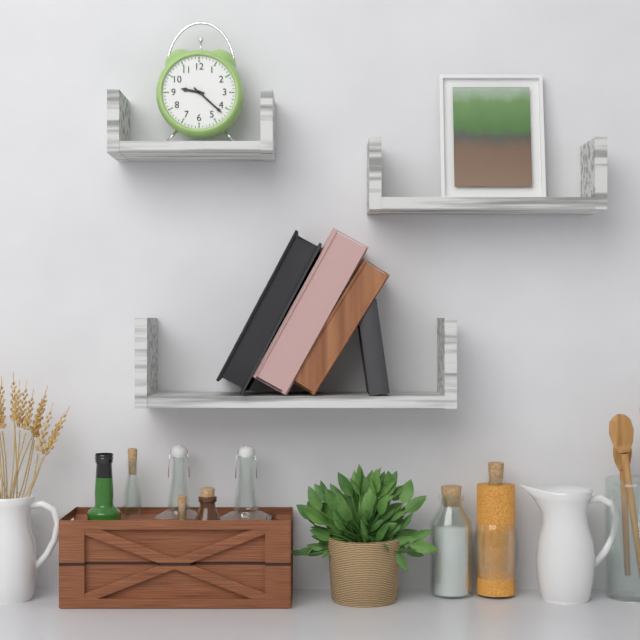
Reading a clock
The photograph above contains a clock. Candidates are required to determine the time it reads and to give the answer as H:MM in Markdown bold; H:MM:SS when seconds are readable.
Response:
**9:22**
